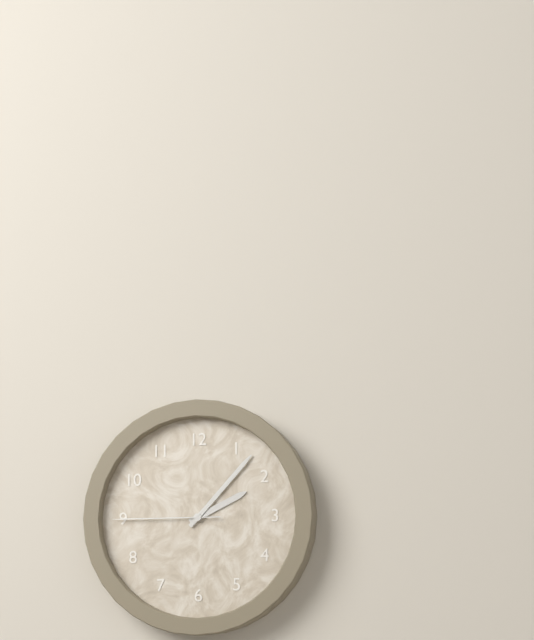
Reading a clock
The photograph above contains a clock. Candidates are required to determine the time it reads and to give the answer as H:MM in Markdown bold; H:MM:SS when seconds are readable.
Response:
**2:07:45**
